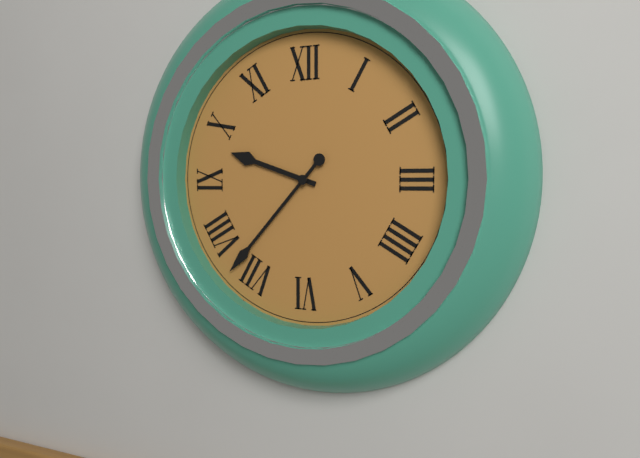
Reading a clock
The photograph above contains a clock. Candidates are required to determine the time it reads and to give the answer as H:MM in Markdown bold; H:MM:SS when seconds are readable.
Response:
**9:37**
